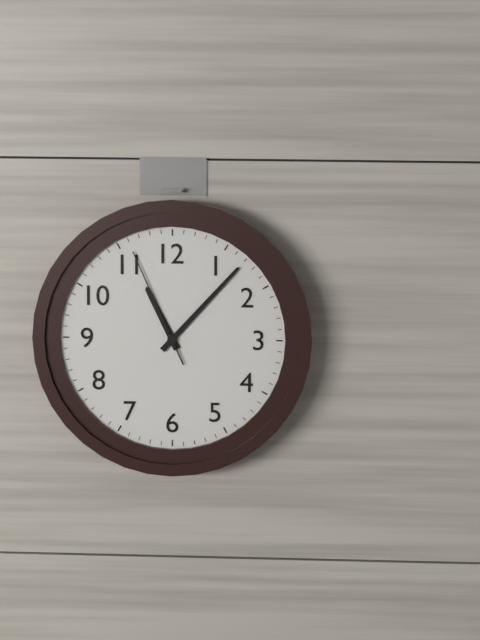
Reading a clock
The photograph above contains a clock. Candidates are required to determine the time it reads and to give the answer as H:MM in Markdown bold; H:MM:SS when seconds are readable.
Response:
**11:07:56**
